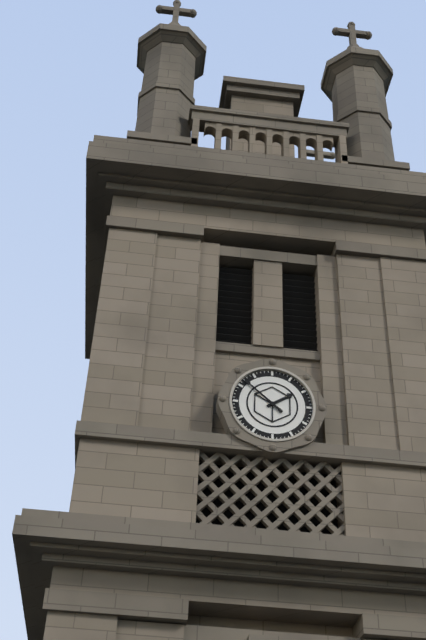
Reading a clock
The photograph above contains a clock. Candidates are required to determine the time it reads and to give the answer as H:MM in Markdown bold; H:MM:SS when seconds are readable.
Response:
**1:52**
